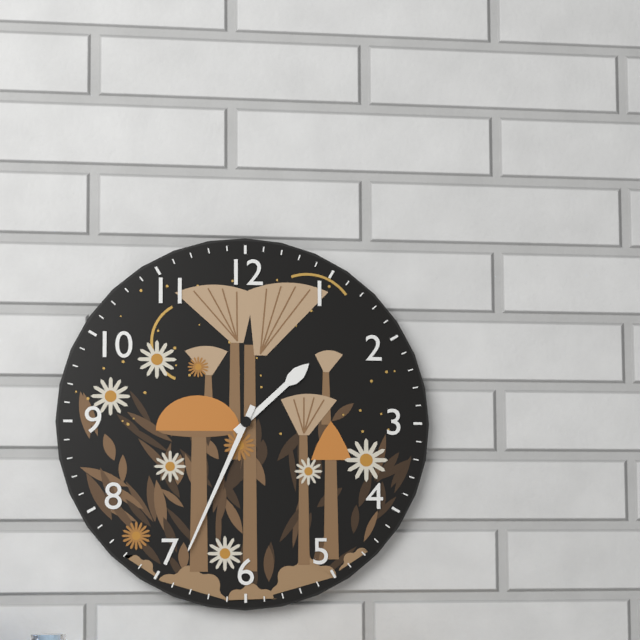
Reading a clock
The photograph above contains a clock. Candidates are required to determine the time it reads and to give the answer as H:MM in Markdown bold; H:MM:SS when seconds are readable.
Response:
**1:34**
